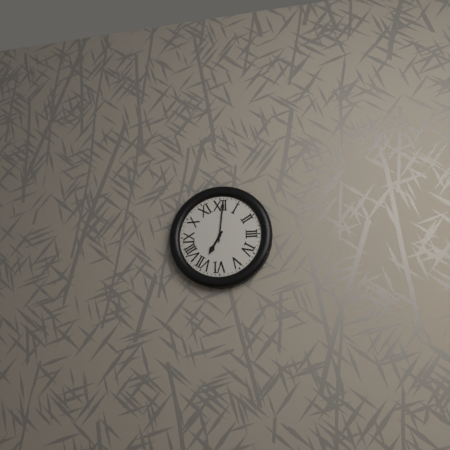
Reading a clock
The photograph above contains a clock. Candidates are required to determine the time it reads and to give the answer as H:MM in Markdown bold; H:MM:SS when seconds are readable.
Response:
**7:01**
